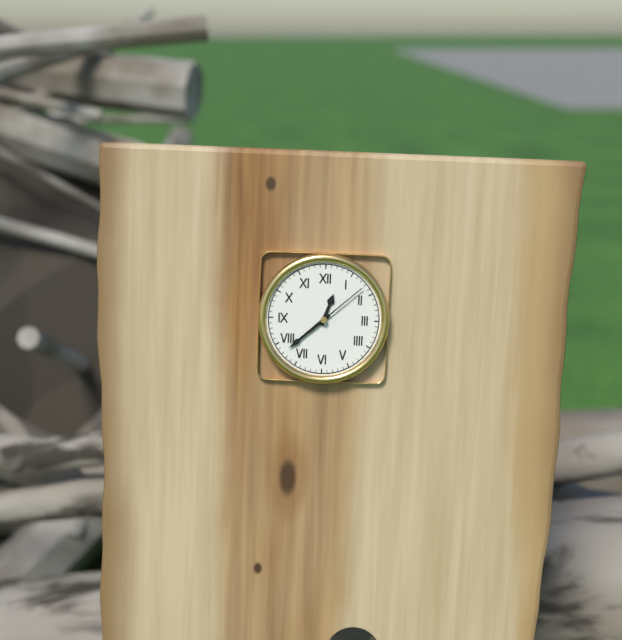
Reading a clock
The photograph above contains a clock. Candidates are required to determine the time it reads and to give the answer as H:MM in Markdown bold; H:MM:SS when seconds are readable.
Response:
**12:38:08**
